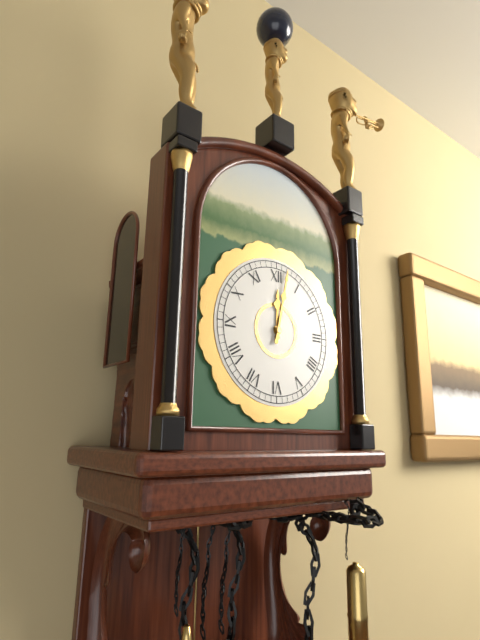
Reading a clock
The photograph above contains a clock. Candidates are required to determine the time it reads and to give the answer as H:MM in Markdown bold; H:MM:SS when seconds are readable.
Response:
**12:02**
